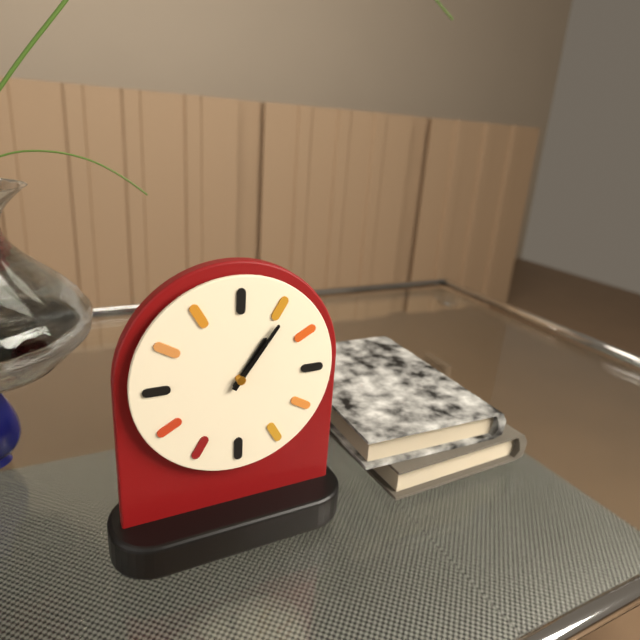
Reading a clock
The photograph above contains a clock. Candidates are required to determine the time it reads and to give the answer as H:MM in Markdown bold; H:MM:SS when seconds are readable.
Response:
**1:06**
